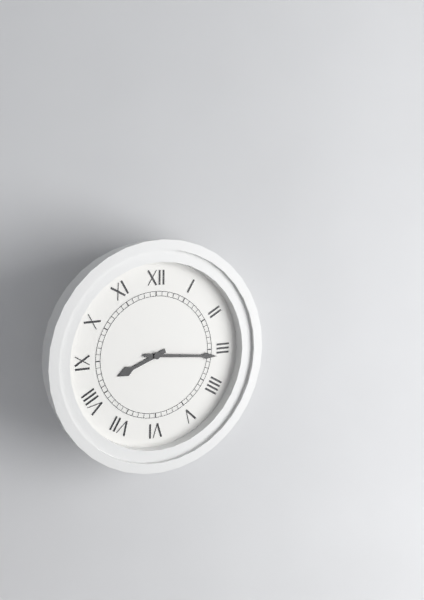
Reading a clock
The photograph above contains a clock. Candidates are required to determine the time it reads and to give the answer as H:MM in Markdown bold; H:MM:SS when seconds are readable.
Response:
**8:16**
